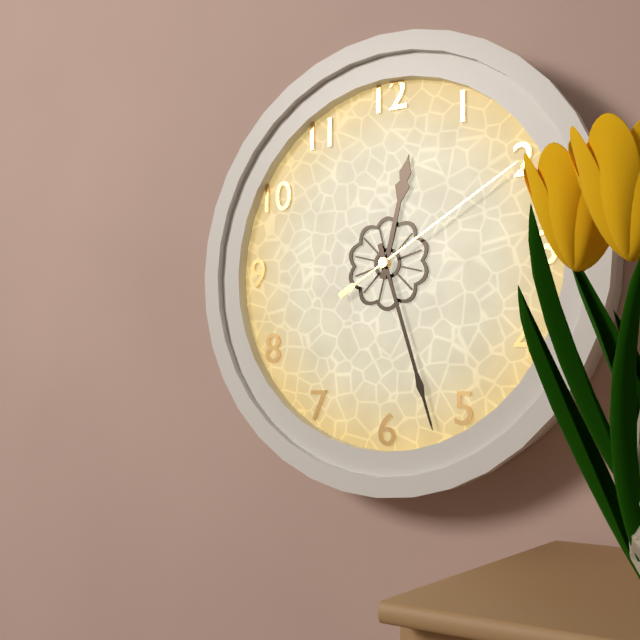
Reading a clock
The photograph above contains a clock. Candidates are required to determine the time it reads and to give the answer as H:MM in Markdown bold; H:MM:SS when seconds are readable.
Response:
**12:27:10**
